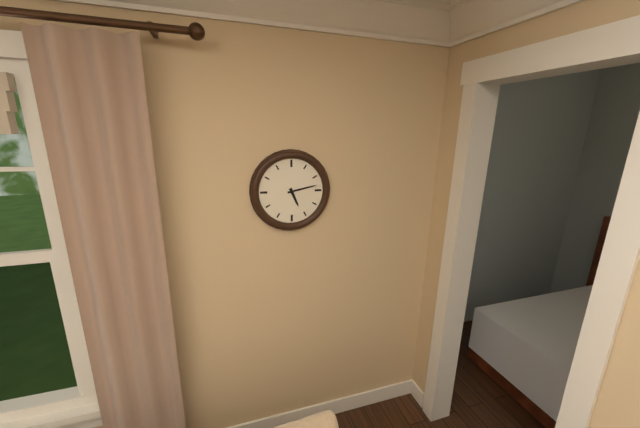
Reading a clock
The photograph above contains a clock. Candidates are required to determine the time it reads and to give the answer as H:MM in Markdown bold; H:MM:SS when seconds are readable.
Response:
**5:13**
